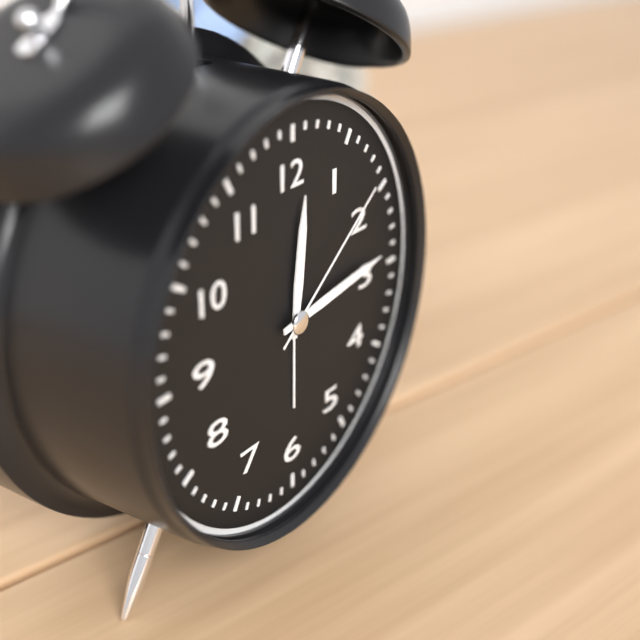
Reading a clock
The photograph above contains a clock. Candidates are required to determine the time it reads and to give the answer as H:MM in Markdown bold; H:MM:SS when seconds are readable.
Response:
**12:14:09**
